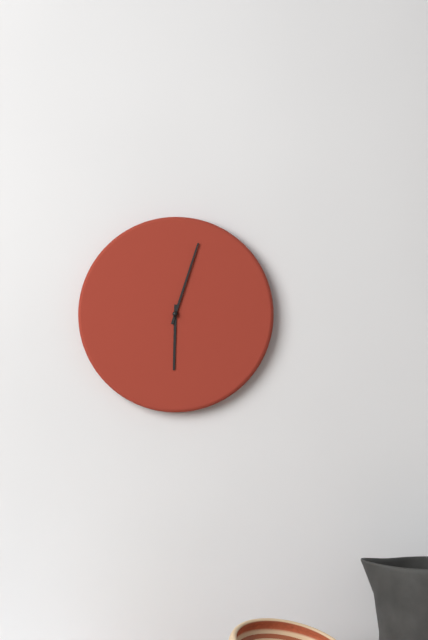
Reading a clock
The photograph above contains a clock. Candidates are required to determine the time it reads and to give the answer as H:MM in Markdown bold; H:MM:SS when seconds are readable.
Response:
**6:03**
